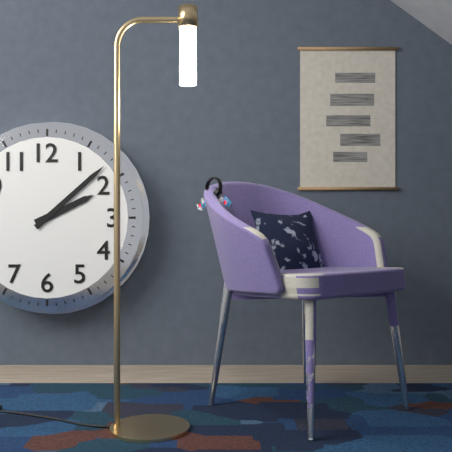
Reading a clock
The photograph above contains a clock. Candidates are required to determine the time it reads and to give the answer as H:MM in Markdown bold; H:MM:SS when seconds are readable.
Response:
**2:08**
